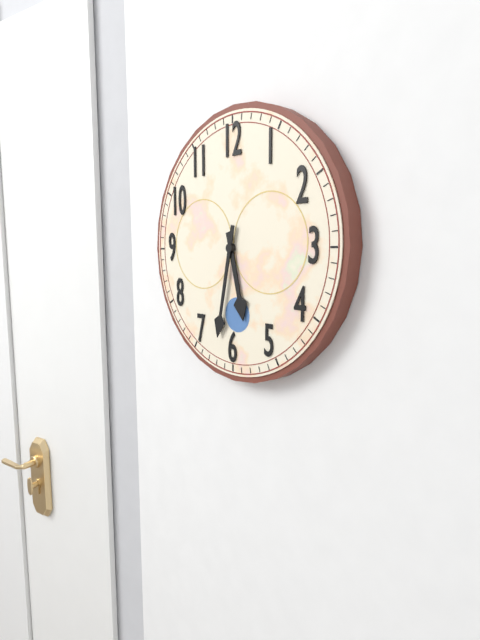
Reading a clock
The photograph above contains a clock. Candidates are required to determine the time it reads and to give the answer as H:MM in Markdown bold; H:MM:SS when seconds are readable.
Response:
**5:32**
